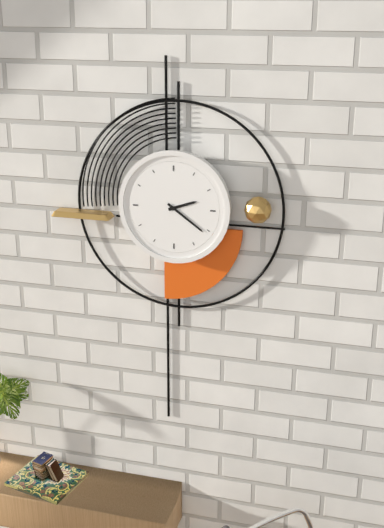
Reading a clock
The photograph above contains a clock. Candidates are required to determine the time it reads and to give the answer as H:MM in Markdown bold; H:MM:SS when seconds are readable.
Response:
**2:21**
